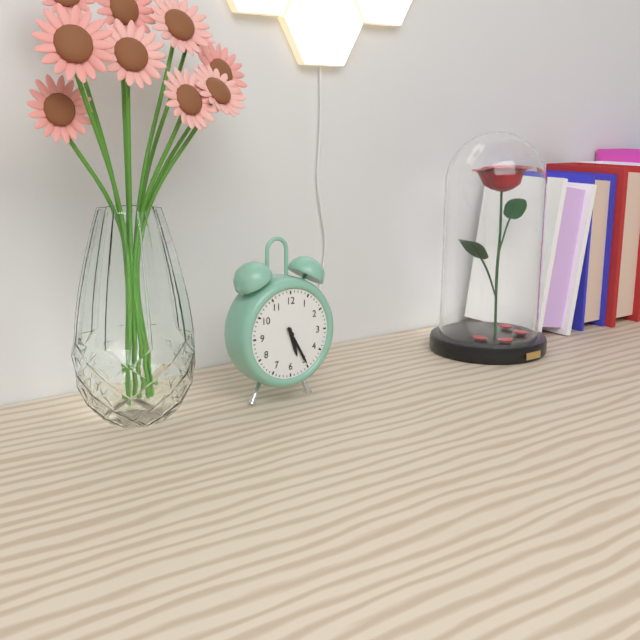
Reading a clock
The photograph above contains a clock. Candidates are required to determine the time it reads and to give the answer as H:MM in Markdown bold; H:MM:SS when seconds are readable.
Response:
**5:25**
